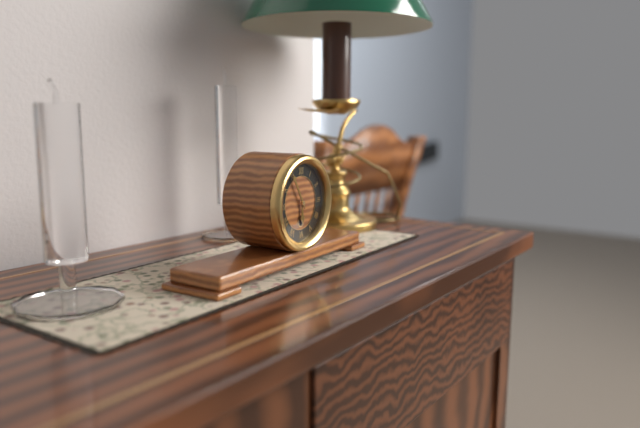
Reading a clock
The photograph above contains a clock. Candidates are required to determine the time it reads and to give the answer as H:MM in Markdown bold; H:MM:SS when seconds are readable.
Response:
**5:55**
